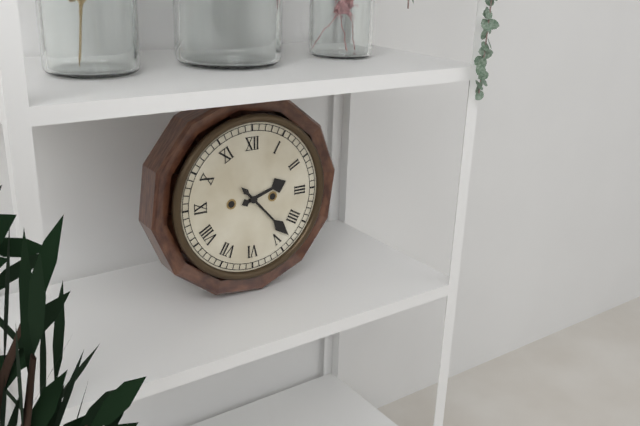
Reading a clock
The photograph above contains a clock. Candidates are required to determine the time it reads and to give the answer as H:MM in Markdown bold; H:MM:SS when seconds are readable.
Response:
**2:23**
